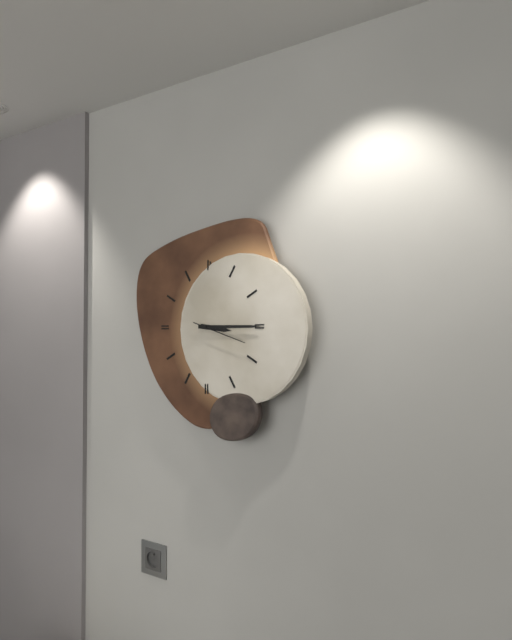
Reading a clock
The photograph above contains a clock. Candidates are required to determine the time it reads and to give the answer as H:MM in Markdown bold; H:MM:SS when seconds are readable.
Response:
**3:15:18**
